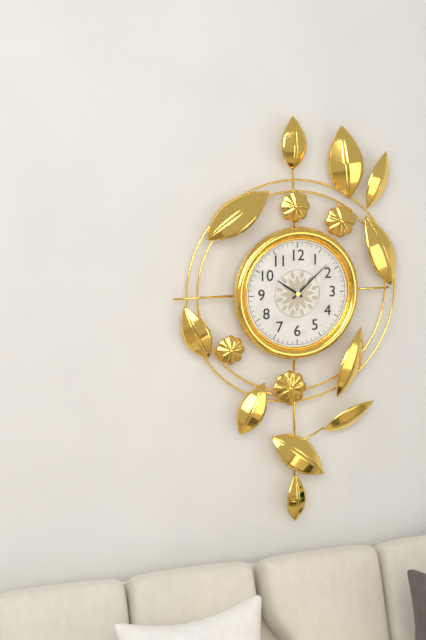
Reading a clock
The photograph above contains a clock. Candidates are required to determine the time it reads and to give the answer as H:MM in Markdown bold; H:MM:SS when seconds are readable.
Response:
**10:08**
